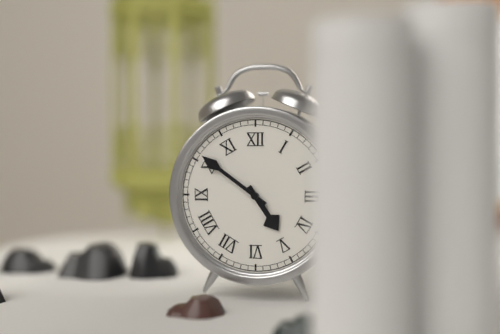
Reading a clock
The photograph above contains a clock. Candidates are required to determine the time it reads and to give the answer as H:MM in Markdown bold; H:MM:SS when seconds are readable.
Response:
**4:51**
